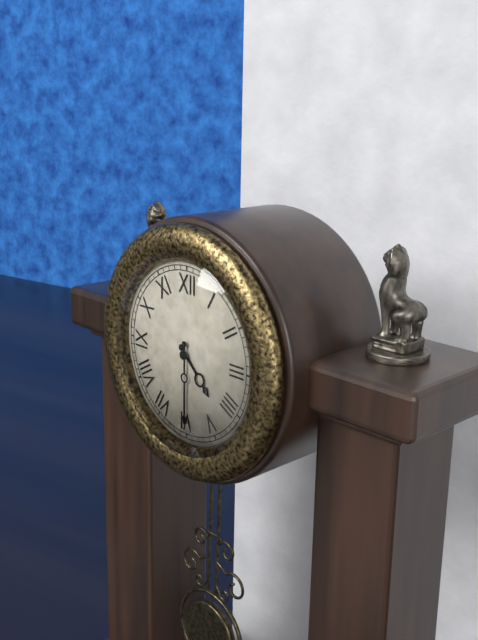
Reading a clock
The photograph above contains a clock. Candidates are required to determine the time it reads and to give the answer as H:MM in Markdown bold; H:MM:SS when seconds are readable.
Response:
**4:30**
